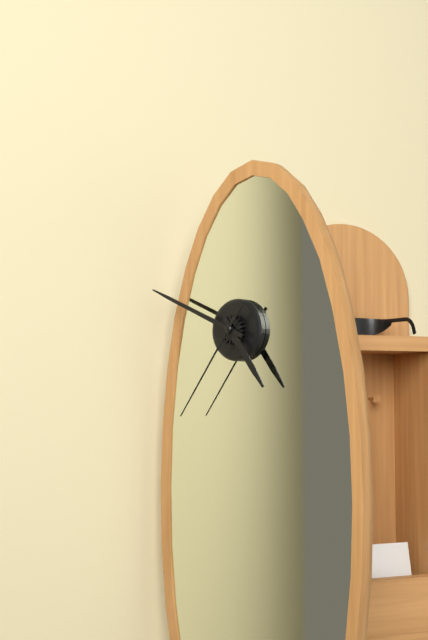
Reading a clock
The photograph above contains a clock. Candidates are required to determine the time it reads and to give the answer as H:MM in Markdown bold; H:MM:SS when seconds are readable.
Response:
**4:49:36**
